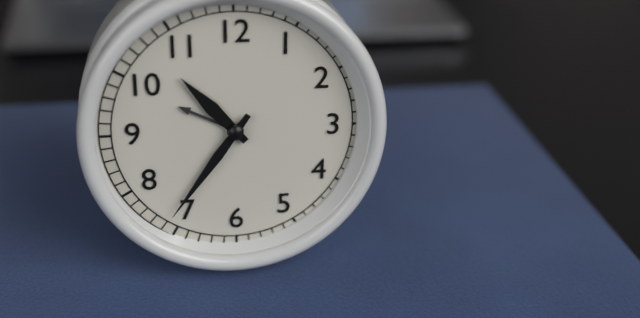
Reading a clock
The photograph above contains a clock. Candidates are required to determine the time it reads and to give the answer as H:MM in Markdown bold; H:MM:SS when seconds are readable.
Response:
**10:36**
